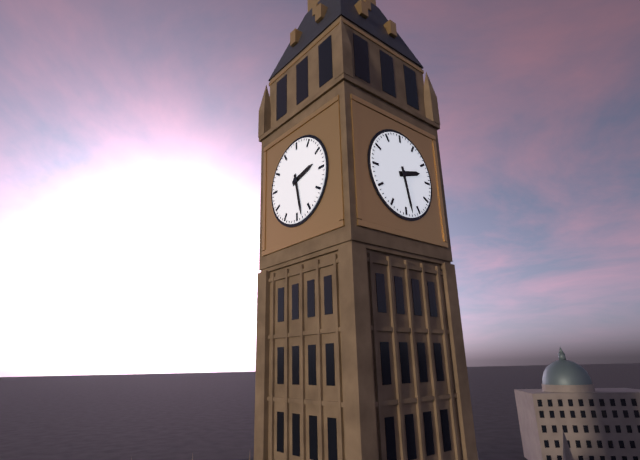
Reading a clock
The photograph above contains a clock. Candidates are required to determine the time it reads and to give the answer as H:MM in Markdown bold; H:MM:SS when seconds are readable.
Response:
**2:28**
